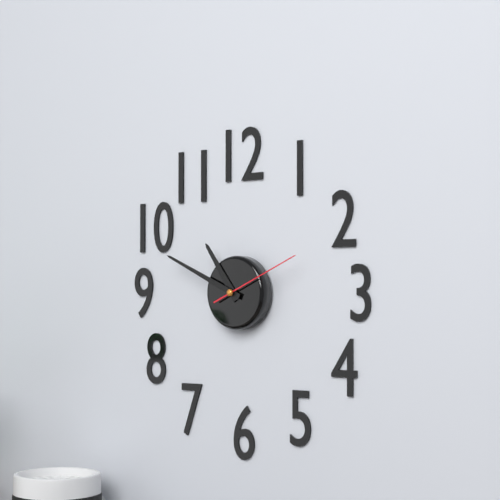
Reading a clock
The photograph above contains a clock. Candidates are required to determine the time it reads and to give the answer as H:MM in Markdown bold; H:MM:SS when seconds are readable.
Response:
**10:49:11**
